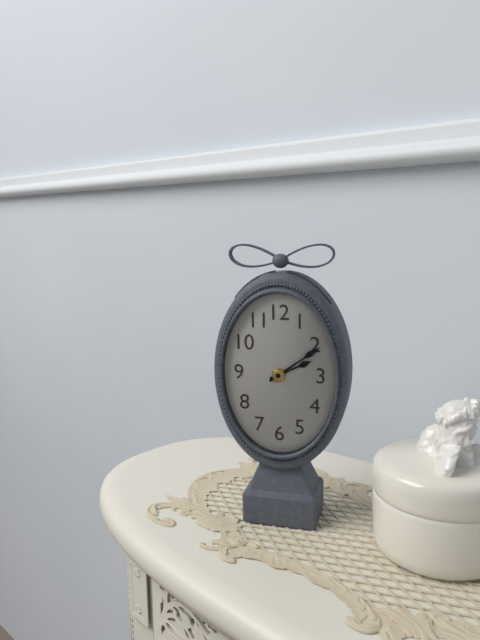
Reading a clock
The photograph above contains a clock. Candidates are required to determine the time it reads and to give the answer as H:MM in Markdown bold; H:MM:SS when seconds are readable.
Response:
**2:09**
